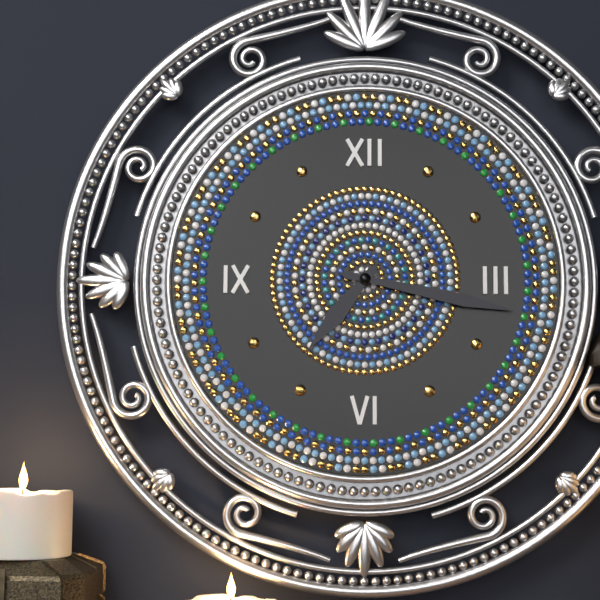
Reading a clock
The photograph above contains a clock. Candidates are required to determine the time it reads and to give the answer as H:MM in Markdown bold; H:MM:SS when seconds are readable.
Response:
**7:17**
